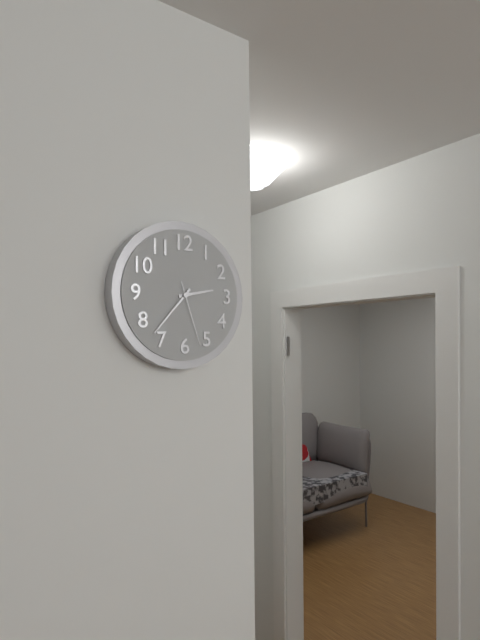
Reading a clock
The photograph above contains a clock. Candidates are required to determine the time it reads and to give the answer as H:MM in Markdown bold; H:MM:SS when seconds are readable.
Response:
**2:37:27**
